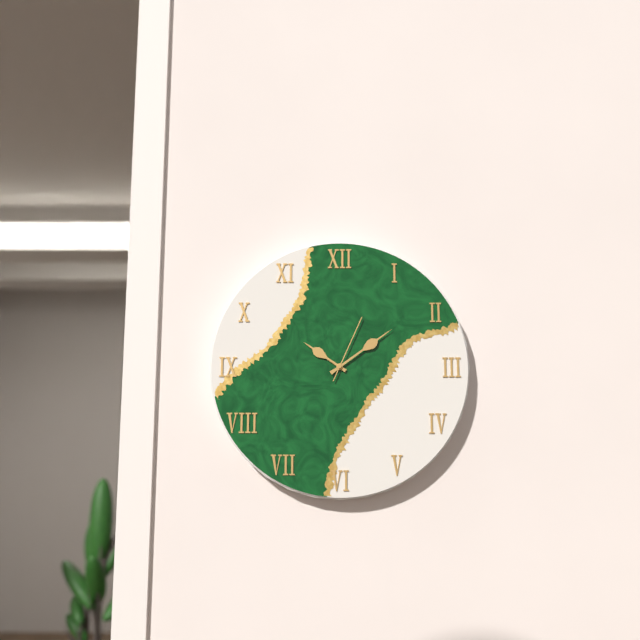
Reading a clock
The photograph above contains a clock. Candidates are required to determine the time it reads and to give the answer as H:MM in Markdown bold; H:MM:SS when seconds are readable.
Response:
**10:09:04**
